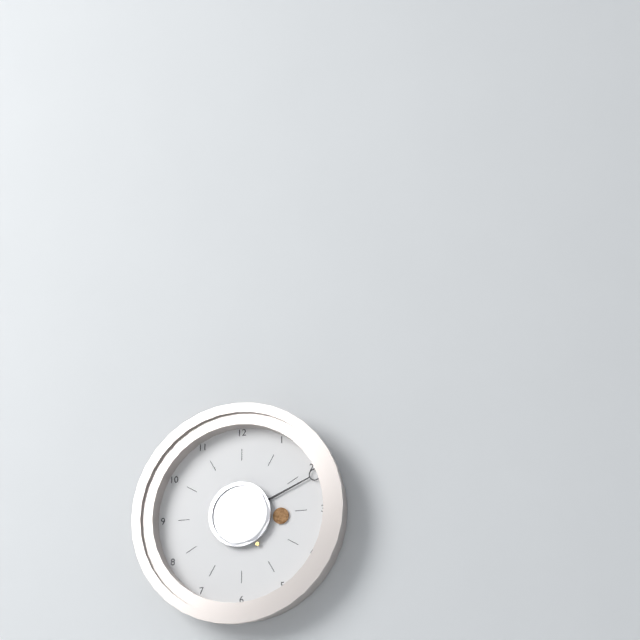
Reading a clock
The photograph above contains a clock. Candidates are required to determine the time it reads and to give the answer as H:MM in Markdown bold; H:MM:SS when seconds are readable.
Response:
**3:11**
